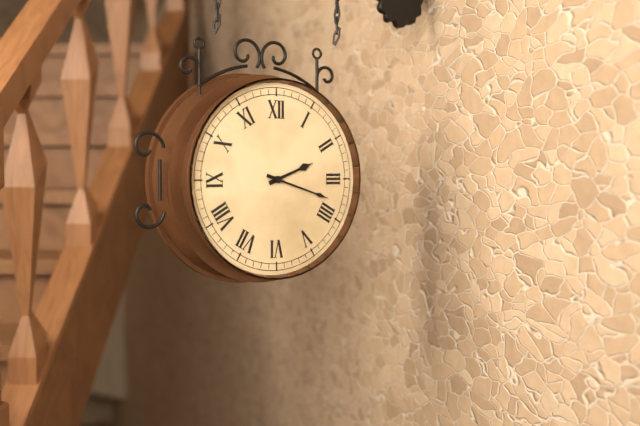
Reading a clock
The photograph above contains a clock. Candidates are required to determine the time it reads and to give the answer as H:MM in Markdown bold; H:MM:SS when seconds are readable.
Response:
**2:18**
